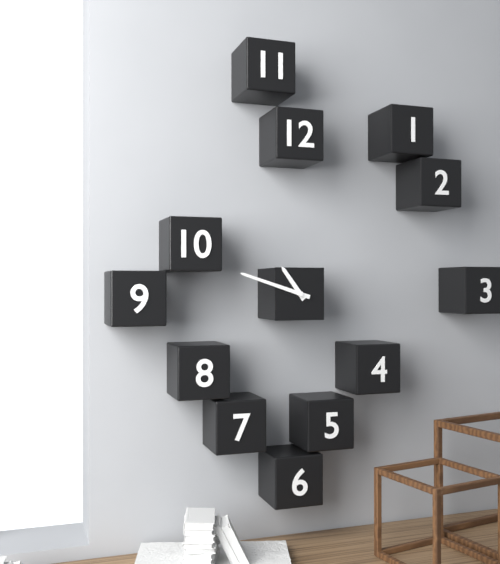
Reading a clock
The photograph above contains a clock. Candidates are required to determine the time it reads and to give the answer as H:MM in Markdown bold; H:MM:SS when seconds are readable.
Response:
**10:48**
